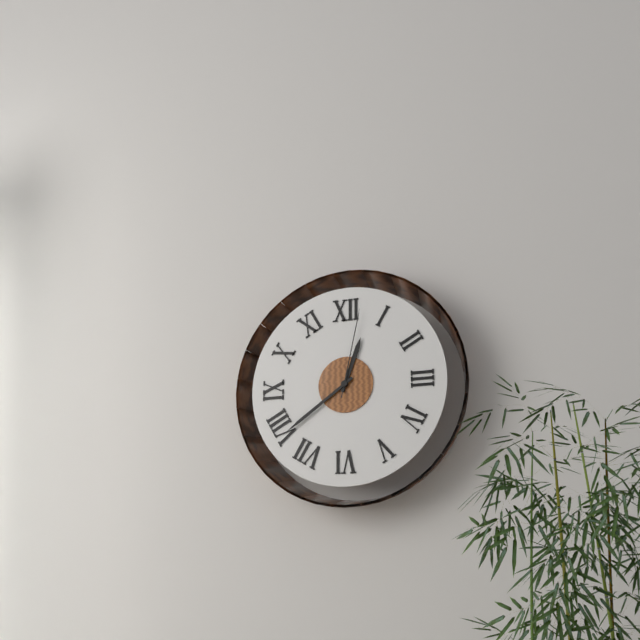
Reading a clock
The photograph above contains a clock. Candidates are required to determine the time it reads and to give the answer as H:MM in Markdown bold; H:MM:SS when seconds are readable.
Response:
**12:39:02**
